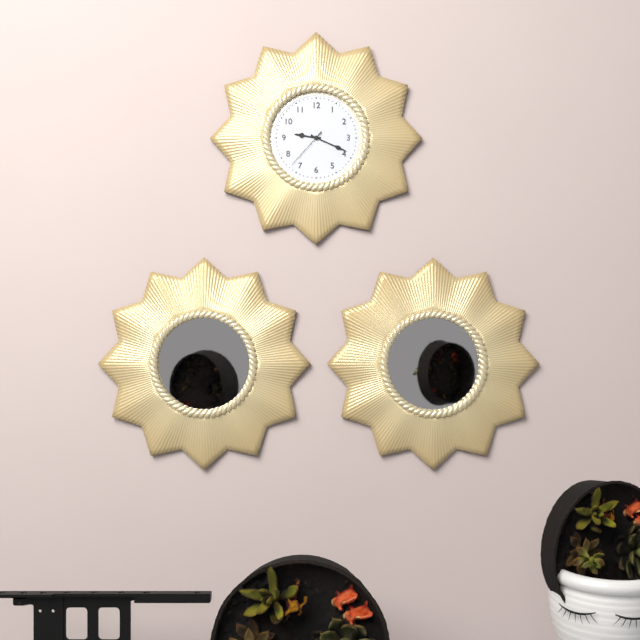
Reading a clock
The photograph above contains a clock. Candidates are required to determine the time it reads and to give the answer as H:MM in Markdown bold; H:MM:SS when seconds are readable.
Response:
**9:19**
